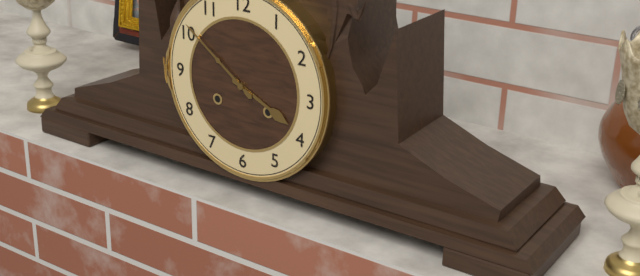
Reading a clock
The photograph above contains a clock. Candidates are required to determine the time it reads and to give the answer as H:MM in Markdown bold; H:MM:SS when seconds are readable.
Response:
**3:51**
